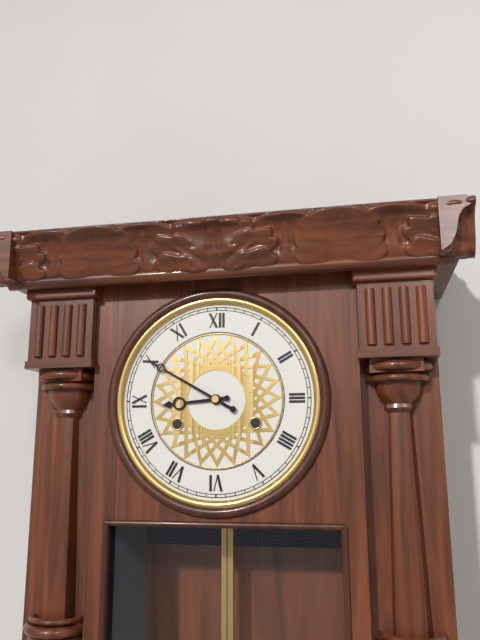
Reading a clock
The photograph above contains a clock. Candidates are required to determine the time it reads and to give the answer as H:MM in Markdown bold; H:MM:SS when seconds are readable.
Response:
**8:50**
